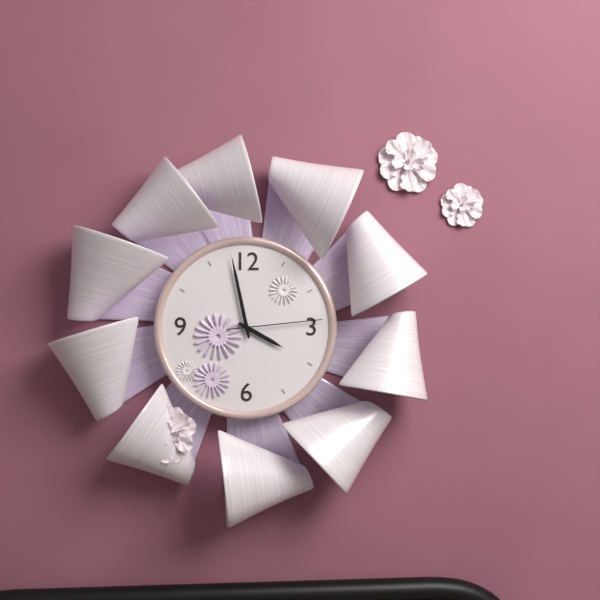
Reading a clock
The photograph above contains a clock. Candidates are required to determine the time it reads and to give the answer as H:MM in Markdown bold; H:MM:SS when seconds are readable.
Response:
**3:58:14**
